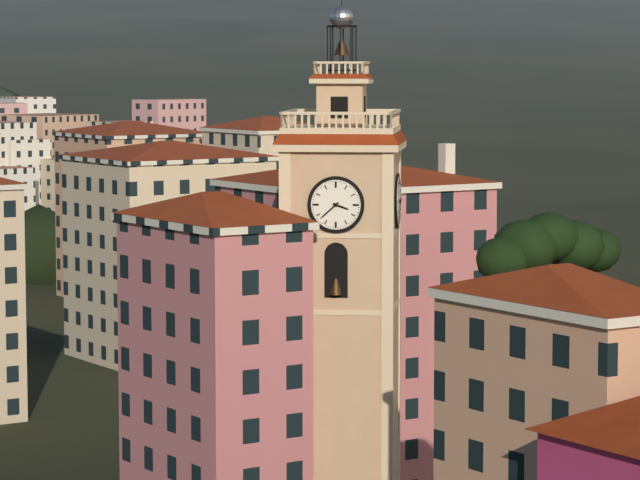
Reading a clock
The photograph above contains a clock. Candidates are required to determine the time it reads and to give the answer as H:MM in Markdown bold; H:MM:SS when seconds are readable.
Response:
**3:38**
